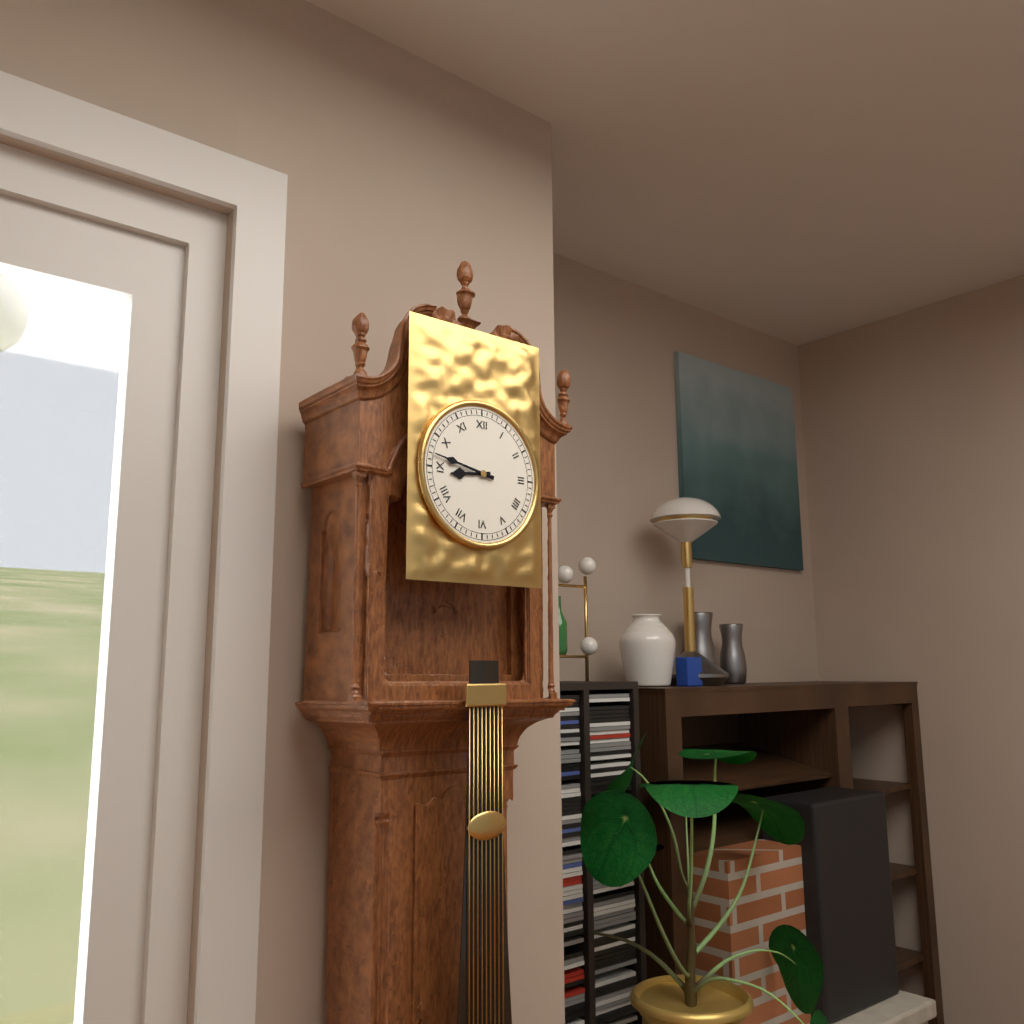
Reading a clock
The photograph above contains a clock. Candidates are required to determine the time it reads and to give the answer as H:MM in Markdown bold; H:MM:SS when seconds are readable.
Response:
**8:47**
